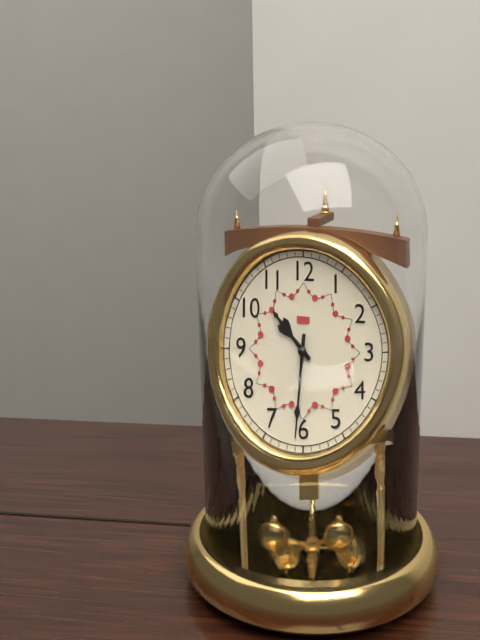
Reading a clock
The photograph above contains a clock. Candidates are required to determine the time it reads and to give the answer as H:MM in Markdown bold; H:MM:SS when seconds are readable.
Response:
**10:31**
